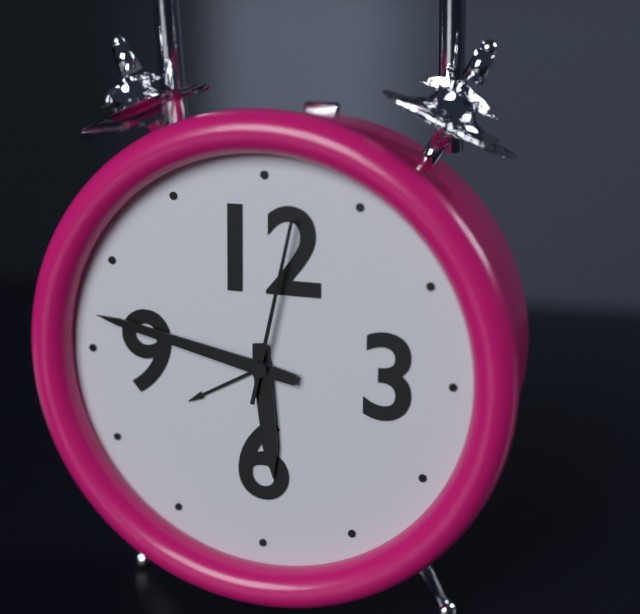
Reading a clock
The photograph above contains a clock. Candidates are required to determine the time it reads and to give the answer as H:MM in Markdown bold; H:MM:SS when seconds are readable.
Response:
**5:47:02**
